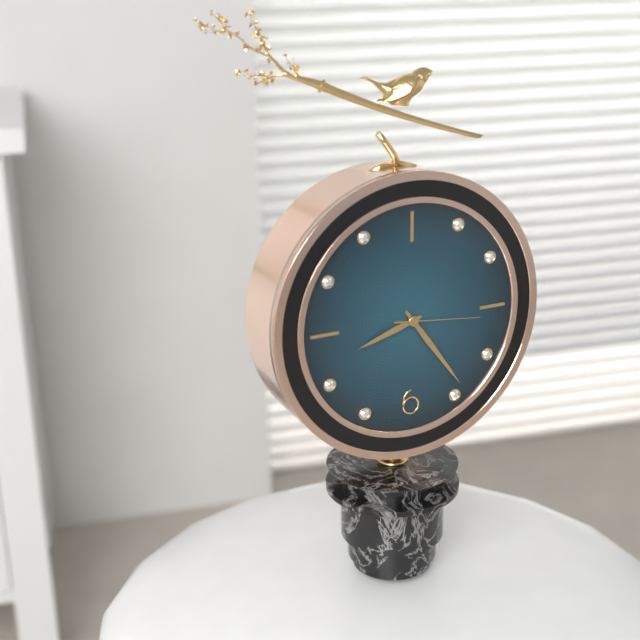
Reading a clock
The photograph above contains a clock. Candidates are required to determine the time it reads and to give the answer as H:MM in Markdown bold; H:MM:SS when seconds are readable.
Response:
**8:24:16**
